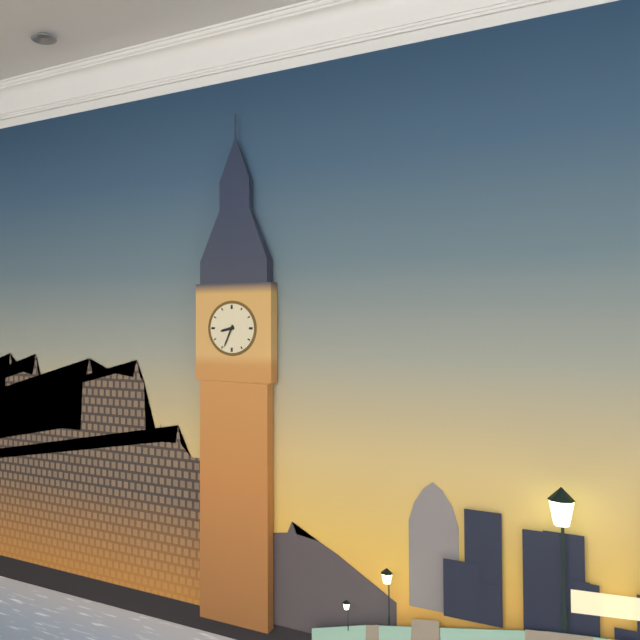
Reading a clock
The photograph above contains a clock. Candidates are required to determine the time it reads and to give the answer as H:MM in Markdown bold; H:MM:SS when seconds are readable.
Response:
**8:34**
